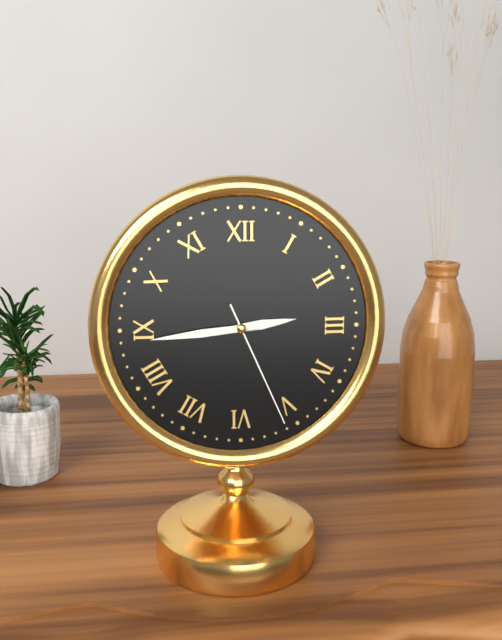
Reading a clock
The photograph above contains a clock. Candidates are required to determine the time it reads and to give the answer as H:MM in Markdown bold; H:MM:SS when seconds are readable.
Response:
**2:44:26**
